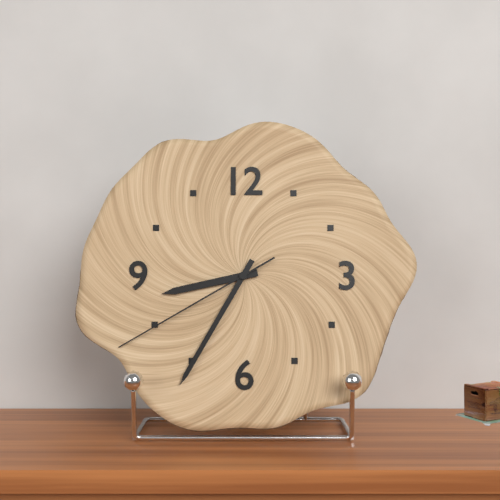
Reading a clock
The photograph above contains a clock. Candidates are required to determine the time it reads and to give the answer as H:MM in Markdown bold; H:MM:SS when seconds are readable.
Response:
**8:35:40**
